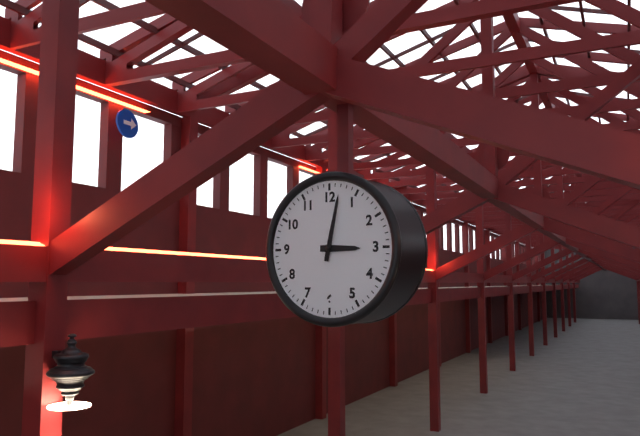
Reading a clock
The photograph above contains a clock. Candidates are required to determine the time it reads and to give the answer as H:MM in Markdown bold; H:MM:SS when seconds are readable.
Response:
**3:02**
